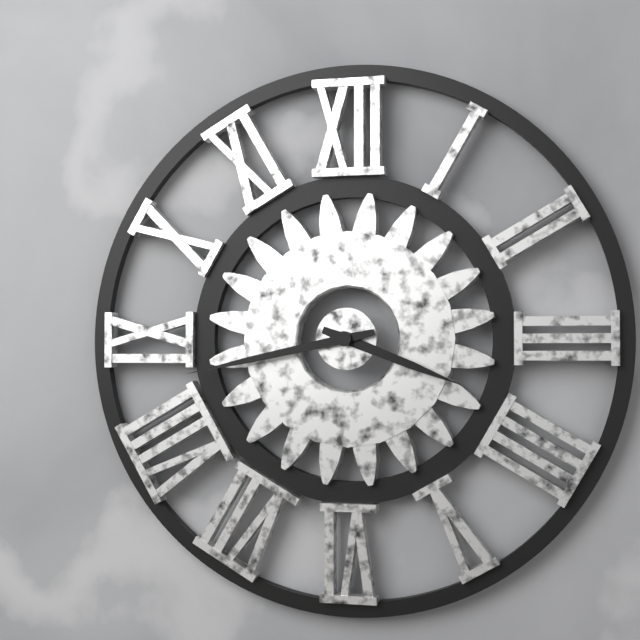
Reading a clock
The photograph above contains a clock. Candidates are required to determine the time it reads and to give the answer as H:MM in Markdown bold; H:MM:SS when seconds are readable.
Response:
**3:43**
